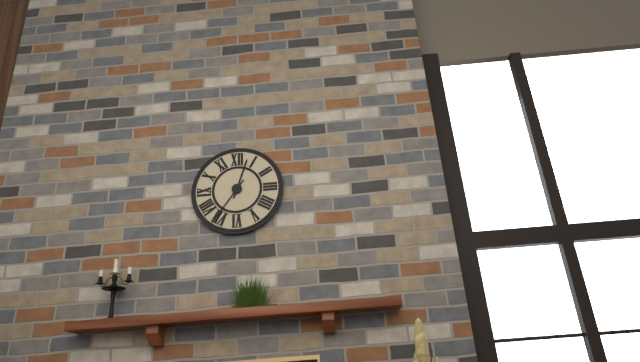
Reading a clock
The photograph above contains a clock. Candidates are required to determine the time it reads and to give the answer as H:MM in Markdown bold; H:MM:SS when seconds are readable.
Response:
**12:36**
